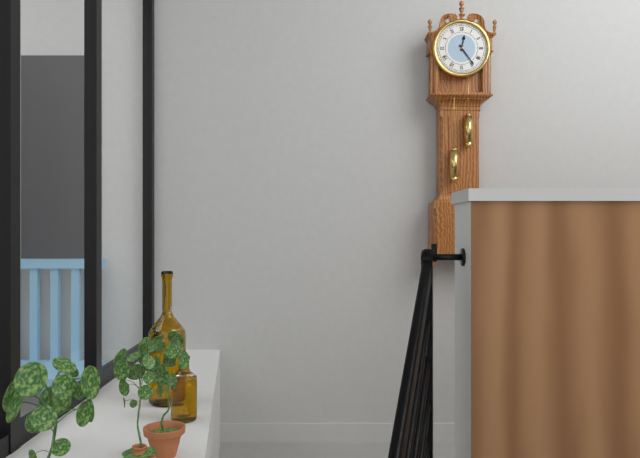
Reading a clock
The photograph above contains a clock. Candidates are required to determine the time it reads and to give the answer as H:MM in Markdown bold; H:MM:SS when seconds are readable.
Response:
**12:24**
